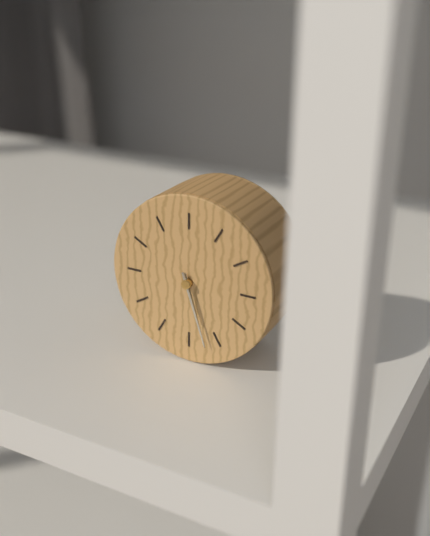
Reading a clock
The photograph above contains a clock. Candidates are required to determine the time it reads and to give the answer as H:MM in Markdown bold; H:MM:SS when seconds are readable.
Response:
**5:27**
